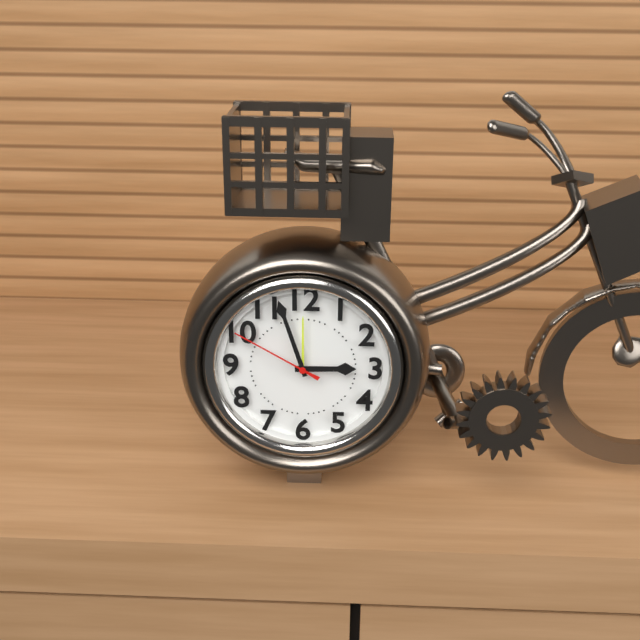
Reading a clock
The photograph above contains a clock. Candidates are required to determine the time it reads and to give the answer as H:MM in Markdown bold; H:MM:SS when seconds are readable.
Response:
**2:57:50**
